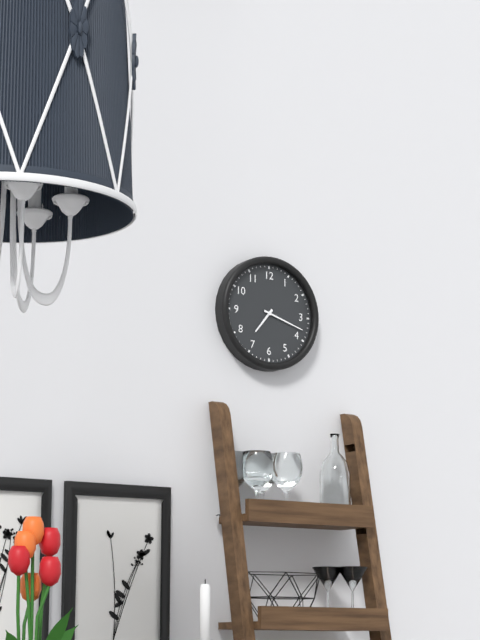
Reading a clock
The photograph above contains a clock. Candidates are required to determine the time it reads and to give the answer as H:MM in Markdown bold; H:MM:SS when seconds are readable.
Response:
**7:18**
